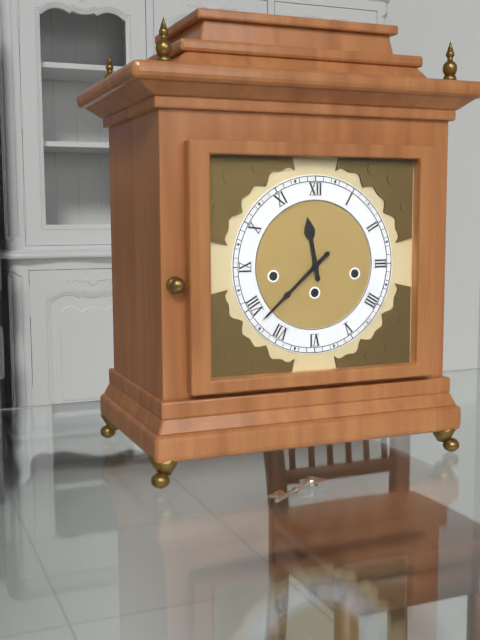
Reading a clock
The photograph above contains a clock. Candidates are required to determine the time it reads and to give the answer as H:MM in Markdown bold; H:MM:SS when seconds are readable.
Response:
**11:38**
